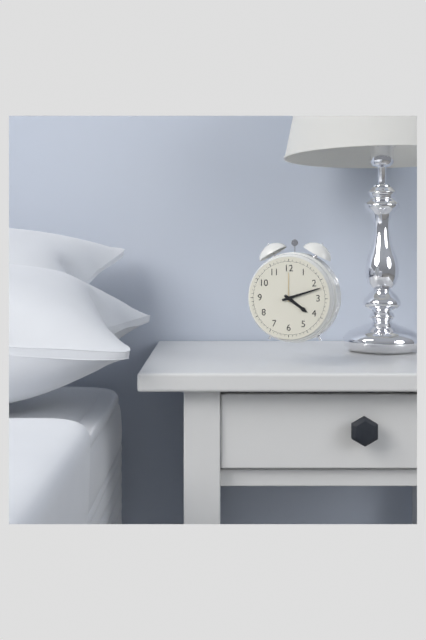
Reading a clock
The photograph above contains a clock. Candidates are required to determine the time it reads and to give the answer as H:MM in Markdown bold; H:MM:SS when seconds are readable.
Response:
**4:12**
